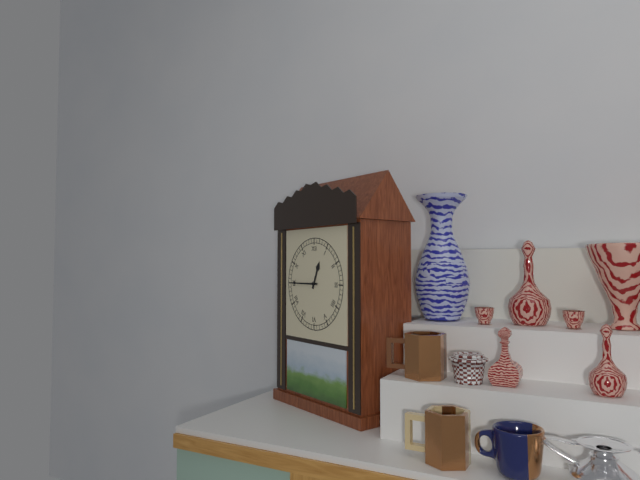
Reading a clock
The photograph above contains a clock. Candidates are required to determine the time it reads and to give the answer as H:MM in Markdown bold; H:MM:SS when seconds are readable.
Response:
**12:45**
